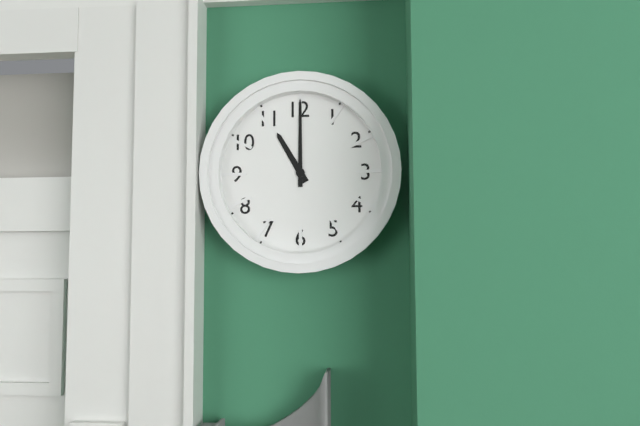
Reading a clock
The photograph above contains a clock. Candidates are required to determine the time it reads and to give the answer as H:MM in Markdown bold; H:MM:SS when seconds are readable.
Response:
**11:00**
